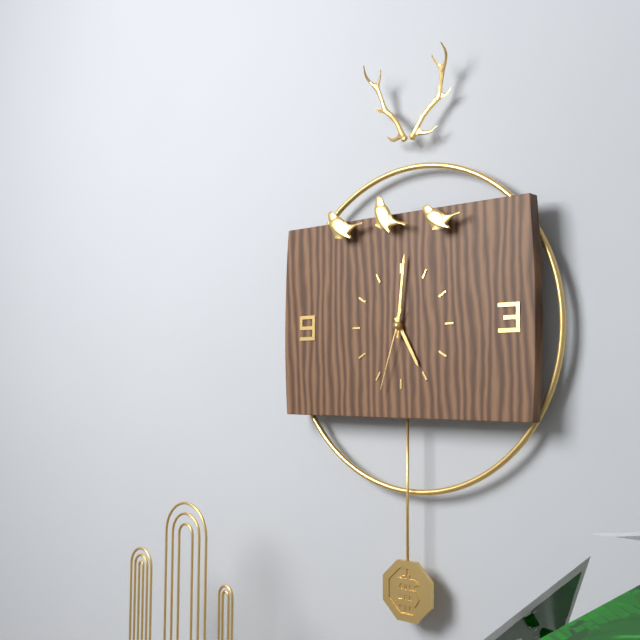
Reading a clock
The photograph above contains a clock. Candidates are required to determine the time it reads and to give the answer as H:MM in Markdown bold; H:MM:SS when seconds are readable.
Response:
**5:01:33**
